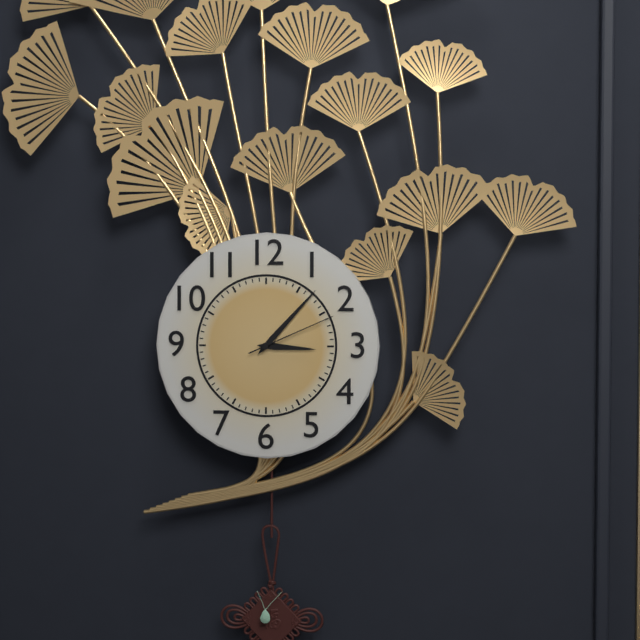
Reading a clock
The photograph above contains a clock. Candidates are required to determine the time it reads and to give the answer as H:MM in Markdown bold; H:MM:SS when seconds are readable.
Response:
**3:07:11**
